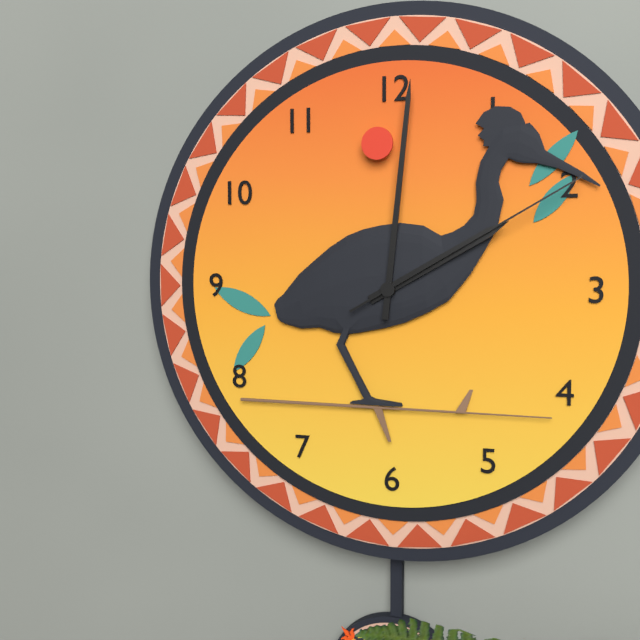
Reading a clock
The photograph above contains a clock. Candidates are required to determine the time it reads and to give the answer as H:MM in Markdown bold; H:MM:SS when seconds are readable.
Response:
**2:01:10**
